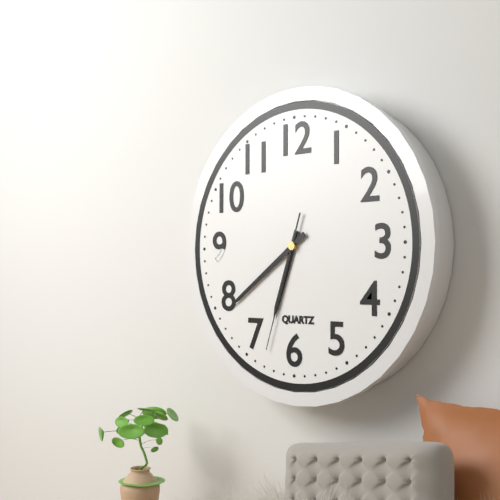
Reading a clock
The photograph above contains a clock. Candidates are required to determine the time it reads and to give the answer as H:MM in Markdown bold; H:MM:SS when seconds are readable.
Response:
**6:39:33**
